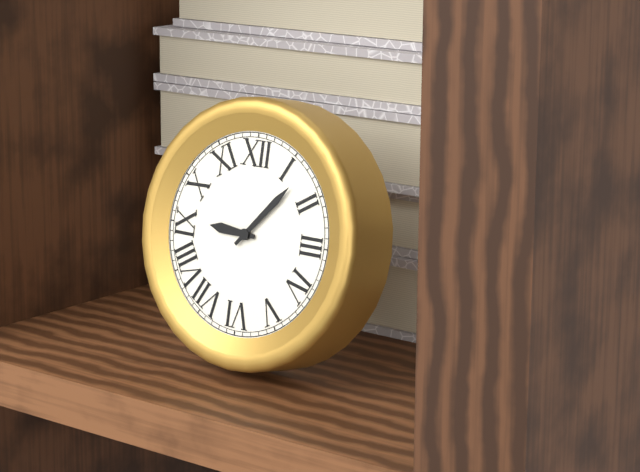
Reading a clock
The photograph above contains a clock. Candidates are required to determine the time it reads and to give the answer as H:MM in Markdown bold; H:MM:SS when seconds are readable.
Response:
**9:07**
